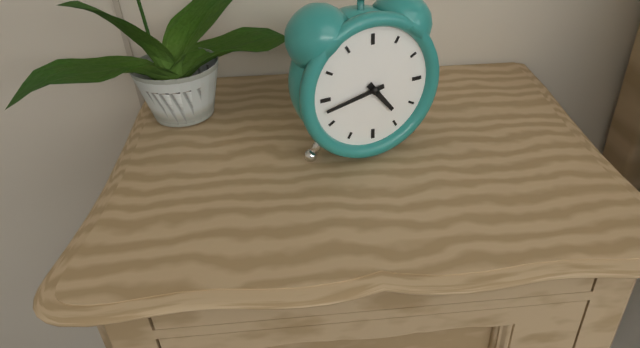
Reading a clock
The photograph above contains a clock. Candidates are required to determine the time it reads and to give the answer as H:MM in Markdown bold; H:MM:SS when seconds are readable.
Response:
**4:43**
